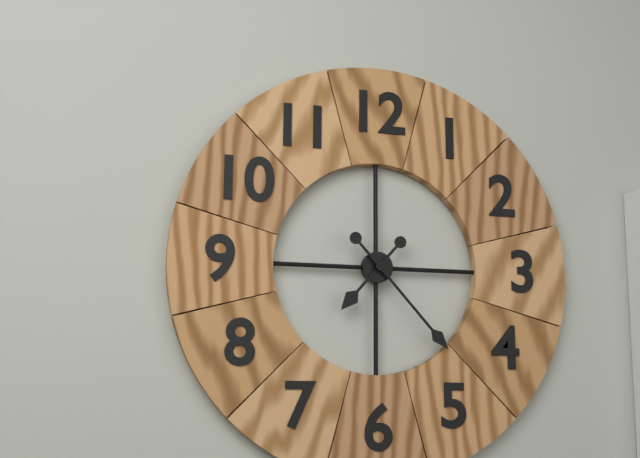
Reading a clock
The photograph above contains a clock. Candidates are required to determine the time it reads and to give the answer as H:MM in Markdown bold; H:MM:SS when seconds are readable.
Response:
**7:23**
